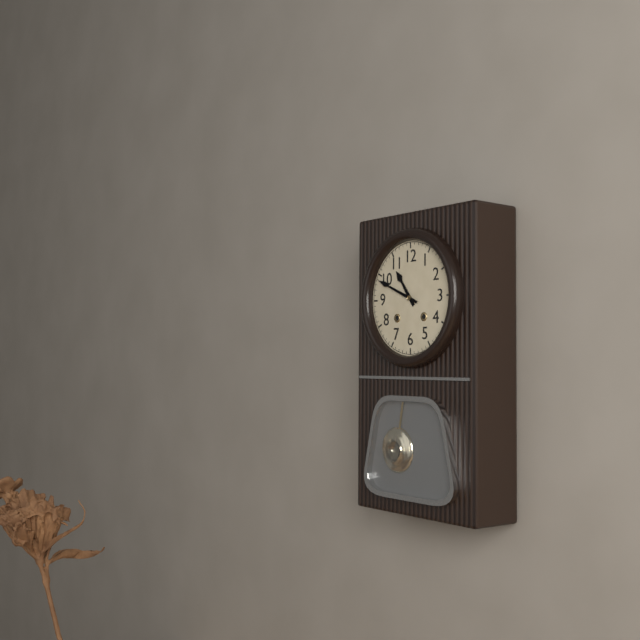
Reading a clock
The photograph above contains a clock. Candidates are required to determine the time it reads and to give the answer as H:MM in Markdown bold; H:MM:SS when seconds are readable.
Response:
**10:49**
